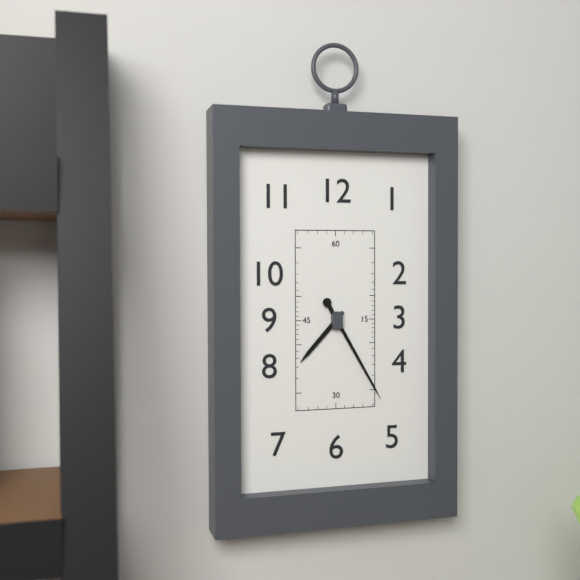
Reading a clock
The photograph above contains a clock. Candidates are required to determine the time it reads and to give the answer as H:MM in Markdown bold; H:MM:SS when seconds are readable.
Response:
**7:25**
